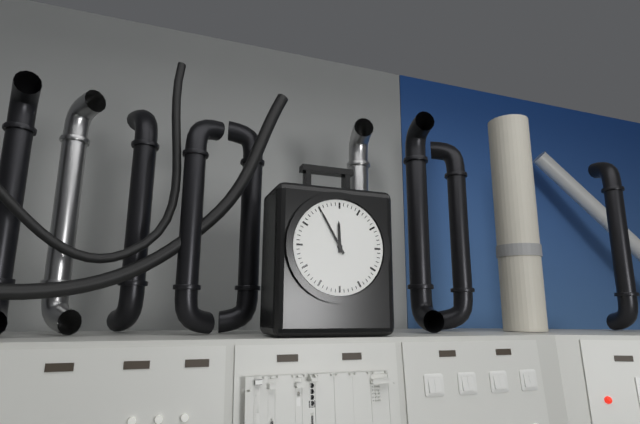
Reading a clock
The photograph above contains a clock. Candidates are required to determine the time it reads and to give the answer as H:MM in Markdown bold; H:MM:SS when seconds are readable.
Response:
**11:55**
